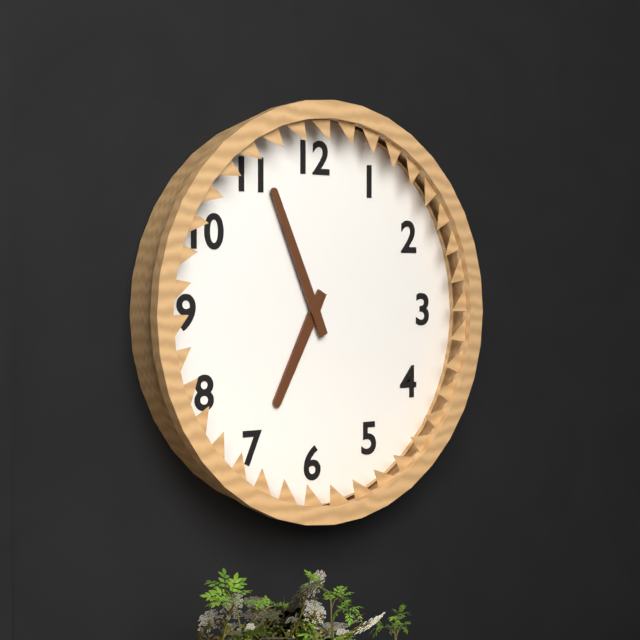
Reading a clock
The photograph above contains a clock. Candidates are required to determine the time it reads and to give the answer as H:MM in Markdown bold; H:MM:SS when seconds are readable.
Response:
**6:56**
